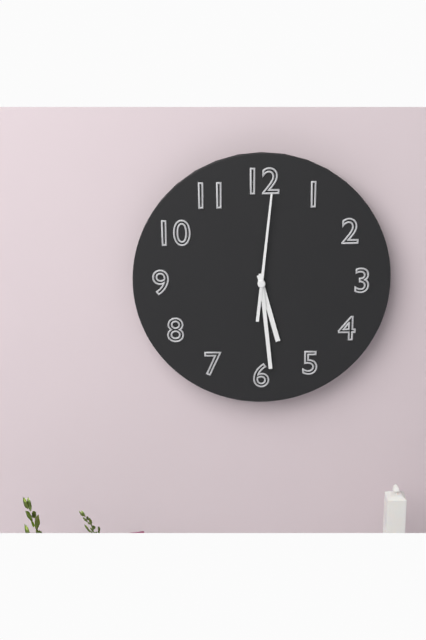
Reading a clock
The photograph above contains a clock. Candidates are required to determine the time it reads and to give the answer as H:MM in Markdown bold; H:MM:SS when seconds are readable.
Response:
**5:29:01**
